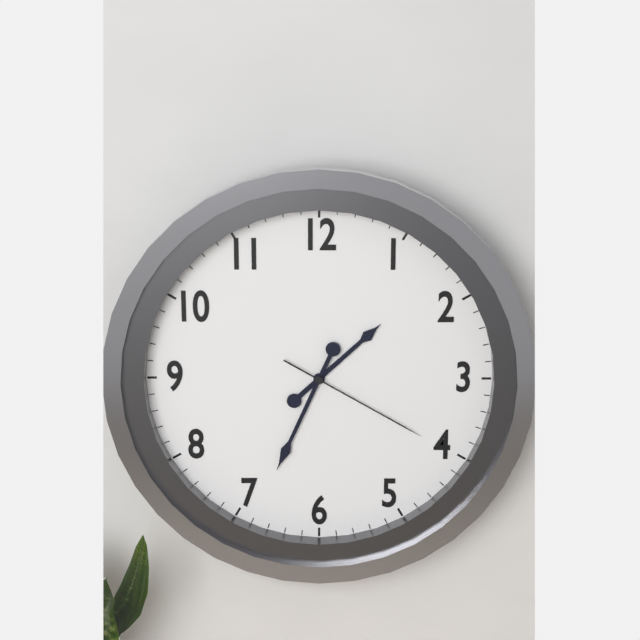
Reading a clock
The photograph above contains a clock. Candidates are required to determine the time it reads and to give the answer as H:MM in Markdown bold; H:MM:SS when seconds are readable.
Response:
**1:34:20**
